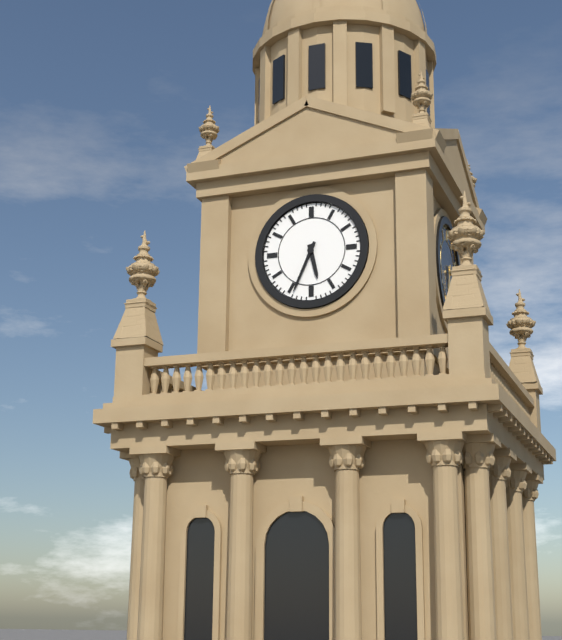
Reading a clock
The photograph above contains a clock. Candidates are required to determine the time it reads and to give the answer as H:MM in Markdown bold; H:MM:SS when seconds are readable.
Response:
**5:34**
